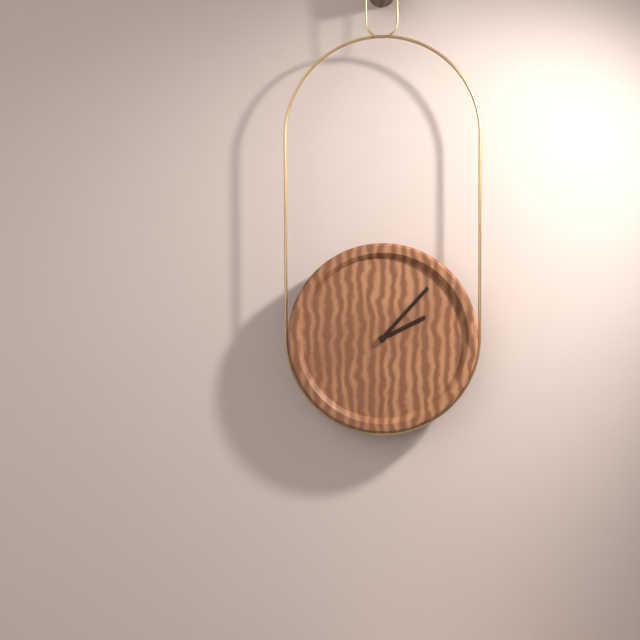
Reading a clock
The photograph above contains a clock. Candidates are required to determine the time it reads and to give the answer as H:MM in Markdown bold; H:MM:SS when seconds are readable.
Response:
**2:07**
